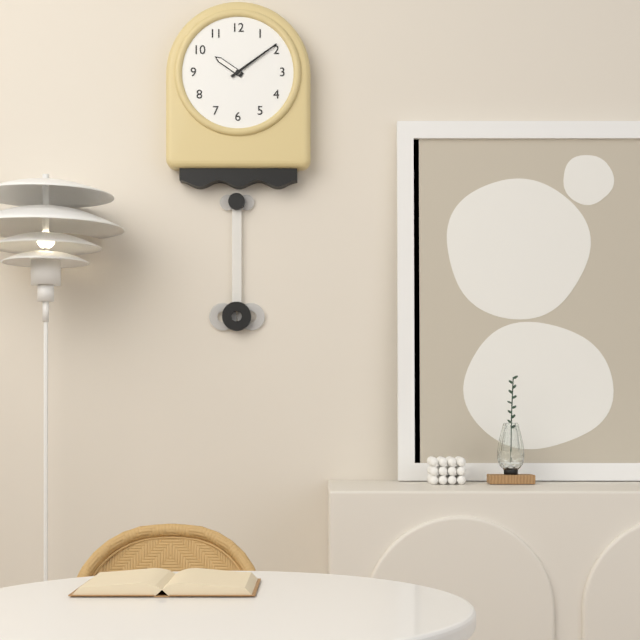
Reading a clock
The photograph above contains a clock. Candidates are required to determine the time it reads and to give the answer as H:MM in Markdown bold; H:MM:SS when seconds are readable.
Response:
**10:09**
